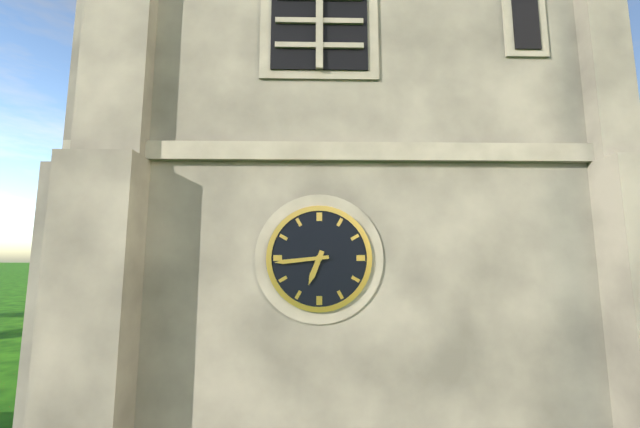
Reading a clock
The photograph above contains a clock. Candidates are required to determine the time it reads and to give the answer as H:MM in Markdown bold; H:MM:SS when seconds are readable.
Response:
**6:44**
